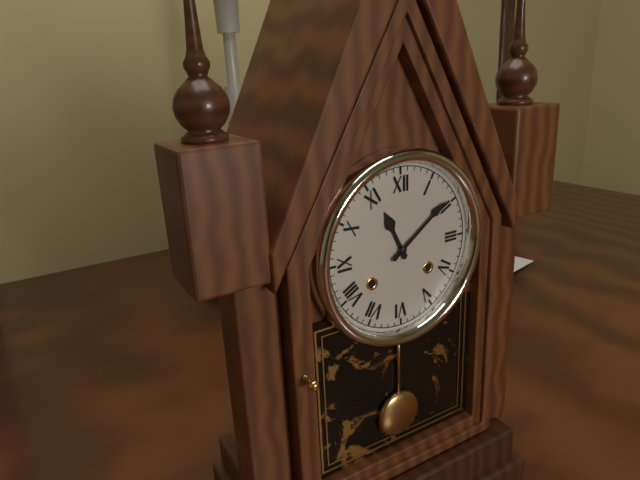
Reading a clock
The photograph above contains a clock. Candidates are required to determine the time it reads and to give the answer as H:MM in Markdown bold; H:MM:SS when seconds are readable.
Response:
**11:09**
